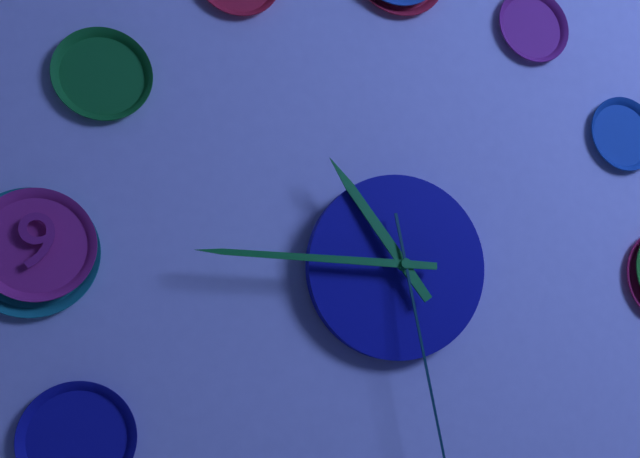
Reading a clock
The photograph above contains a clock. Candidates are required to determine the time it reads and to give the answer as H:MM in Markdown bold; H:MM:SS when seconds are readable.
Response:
**10:45**
